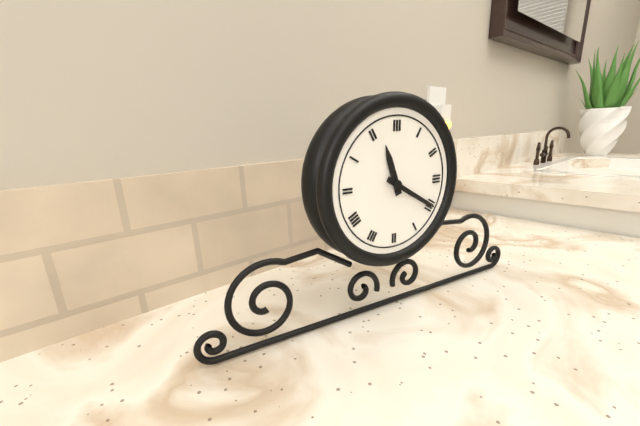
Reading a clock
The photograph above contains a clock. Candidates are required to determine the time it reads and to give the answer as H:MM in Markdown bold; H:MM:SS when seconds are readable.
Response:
**11:20**
